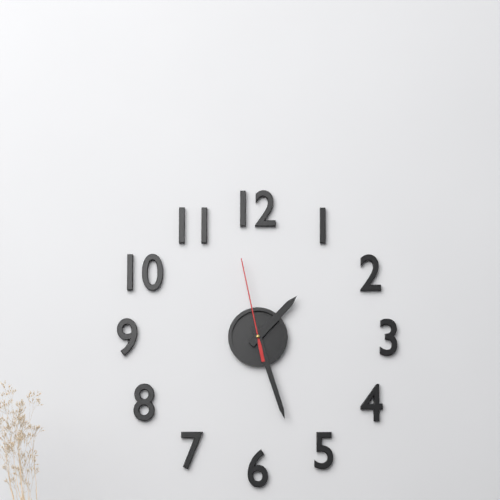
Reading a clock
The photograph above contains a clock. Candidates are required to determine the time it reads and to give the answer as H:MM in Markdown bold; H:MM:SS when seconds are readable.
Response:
**1:27:58**
